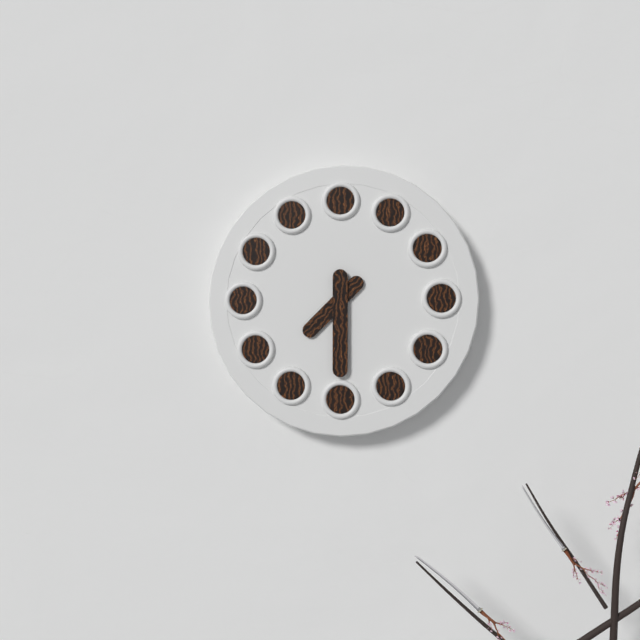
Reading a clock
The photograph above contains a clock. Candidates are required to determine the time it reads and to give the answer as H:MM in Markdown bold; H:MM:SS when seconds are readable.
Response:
**7:30**
